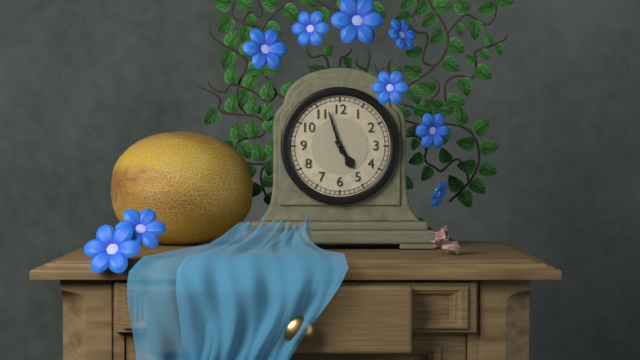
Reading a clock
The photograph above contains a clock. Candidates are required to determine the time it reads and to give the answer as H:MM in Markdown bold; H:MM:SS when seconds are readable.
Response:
**4:57**
